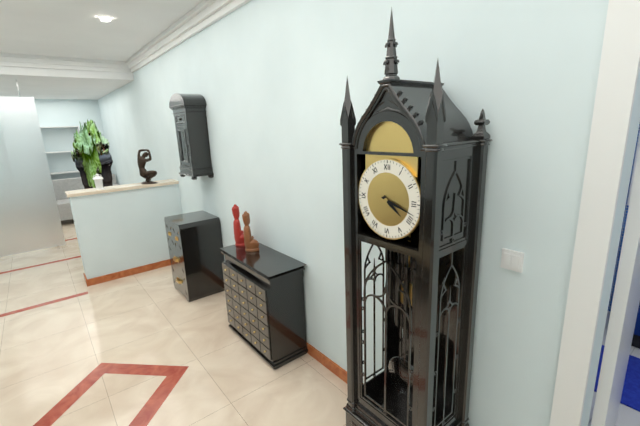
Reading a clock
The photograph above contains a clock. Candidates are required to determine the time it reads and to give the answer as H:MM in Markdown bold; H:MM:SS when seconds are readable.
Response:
**4:18**
